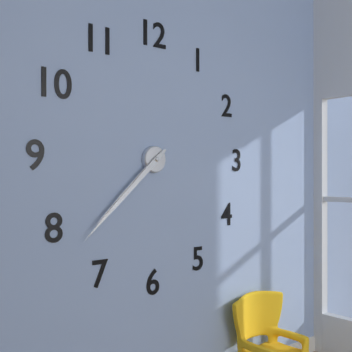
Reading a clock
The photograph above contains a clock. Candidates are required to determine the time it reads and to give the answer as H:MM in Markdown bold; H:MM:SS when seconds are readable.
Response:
**7:38**
